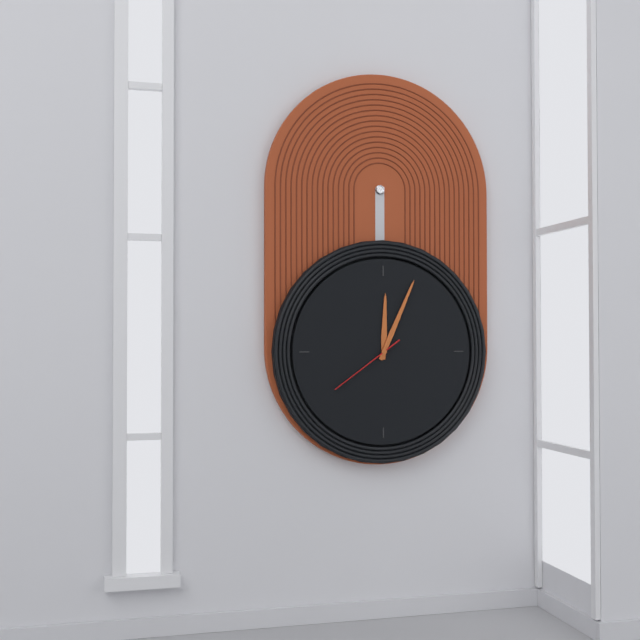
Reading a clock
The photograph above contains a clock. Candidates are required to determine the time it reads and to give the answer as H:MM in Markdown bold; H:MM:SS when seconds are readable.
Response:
**12:04:39**
